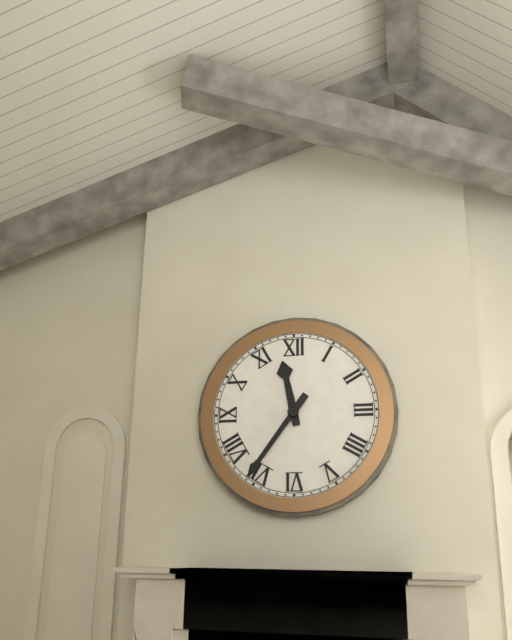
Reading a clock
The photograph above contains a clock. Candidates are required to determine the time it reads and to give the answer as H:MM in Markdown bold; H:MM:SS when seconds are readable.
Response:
**11:36**
